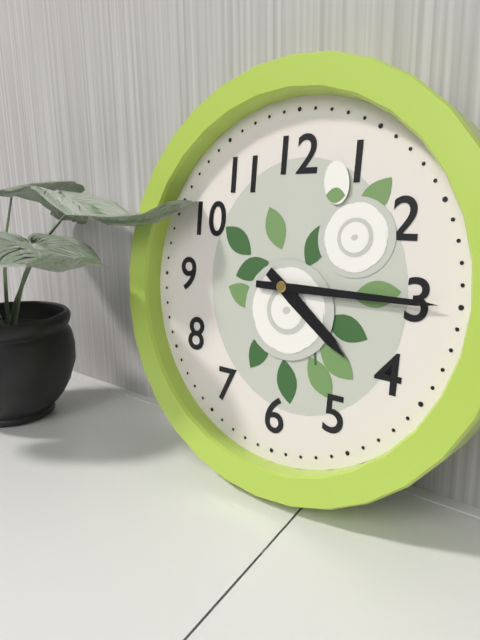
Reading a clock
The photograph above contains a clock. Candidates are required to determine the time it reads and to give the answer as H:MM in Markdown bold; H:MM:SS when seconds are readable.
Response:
**4:15**
